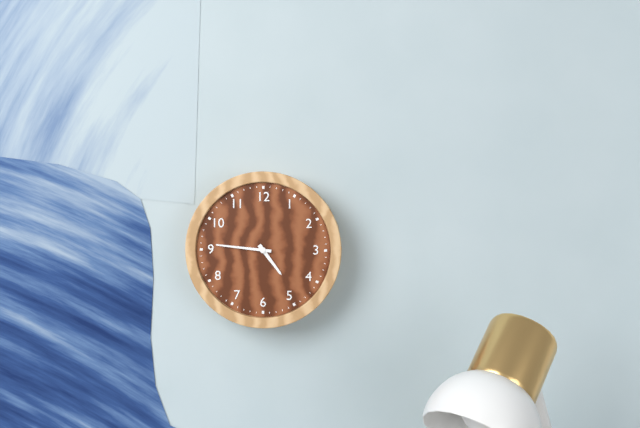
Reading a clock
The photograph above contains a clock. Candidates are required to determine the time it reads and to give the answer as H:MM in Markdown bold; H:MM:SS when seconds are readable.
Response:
**4:46**
